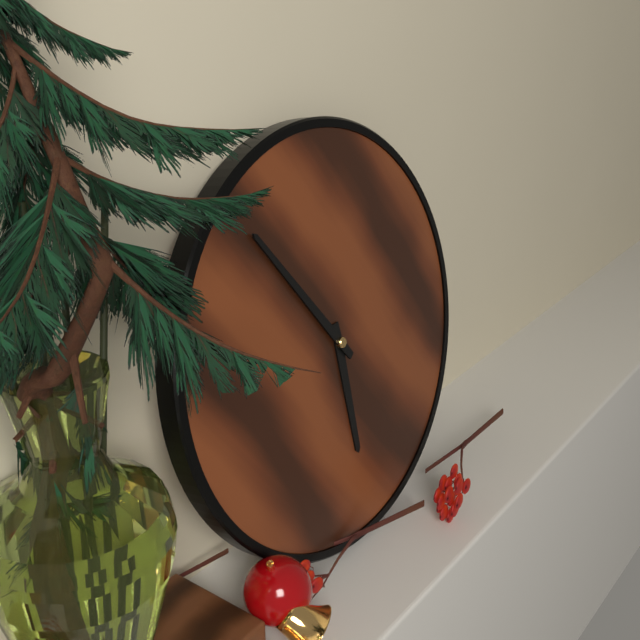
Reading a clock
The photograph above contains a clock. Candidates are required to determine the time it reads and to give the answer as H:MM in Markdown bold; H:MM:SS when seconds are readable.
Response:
**5:54**
